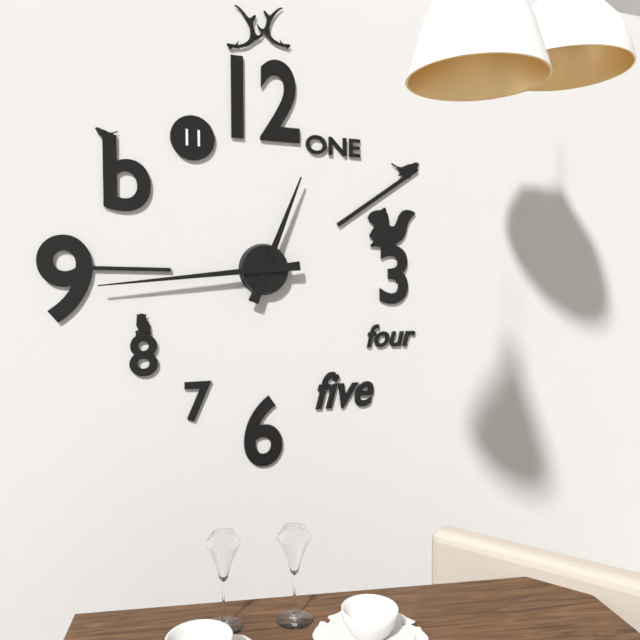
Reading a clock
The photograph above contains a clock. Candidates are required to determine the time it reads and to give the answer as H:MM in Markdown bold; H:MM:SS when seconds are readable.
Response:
**12:44**
